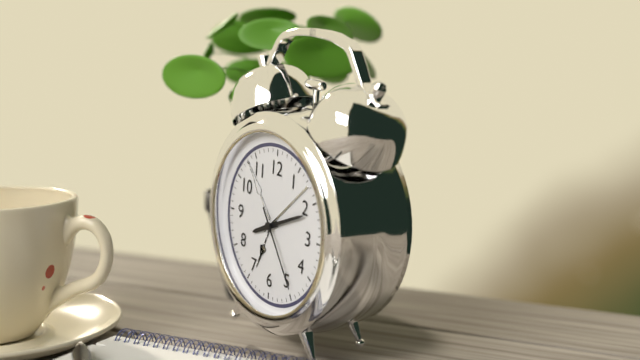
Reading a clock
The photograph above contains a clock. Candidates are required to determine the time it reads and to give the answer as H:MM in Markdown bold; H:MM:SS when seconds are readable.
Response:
**8:11:24**
